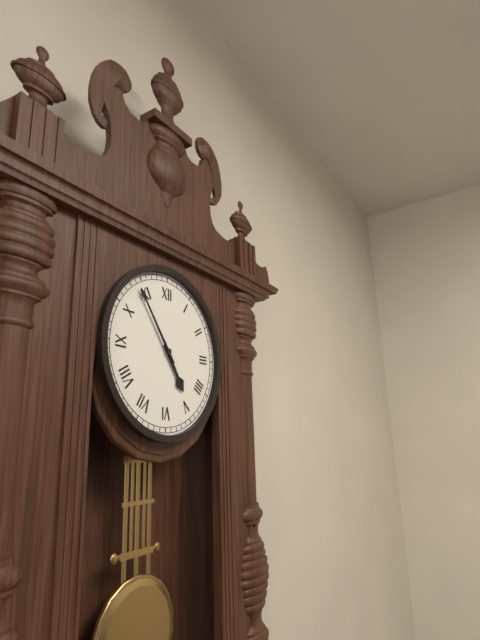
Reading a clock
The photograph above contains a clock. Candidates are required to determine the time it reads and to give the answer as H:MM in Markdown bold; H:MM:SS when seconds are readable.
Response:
**4:54**
